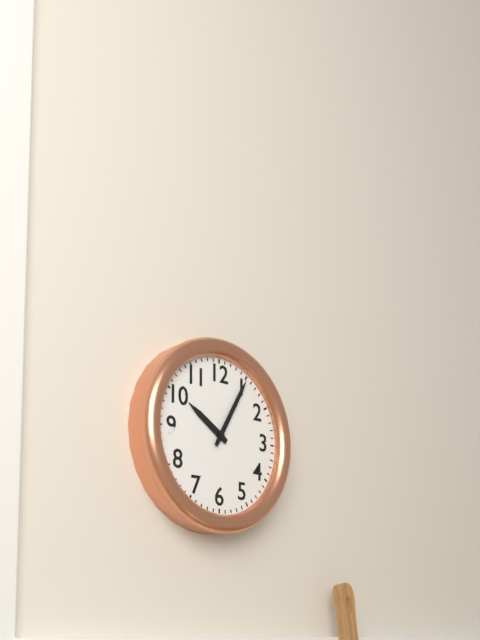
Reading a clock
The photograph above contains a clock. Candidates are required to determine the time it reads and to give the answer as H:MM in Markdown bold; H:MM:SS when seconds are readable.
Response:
**10:05**
